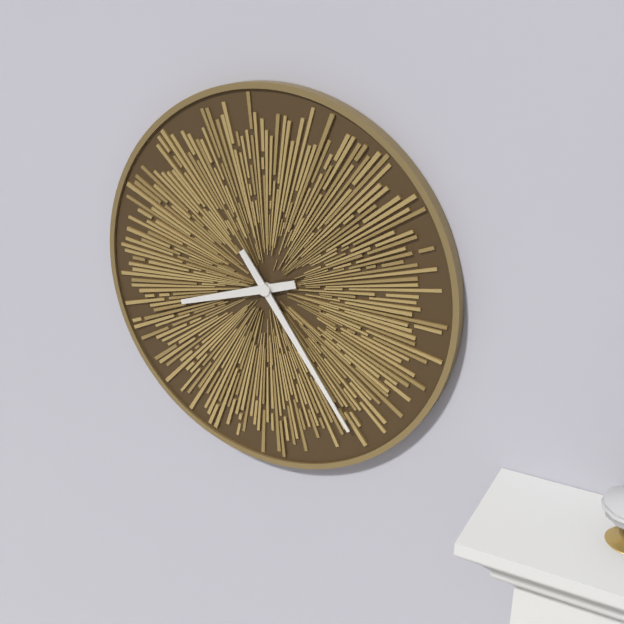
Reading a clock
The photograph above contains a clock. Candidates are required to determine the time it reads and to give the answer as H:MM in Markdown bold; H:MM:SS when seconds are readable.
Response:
**8:24**
